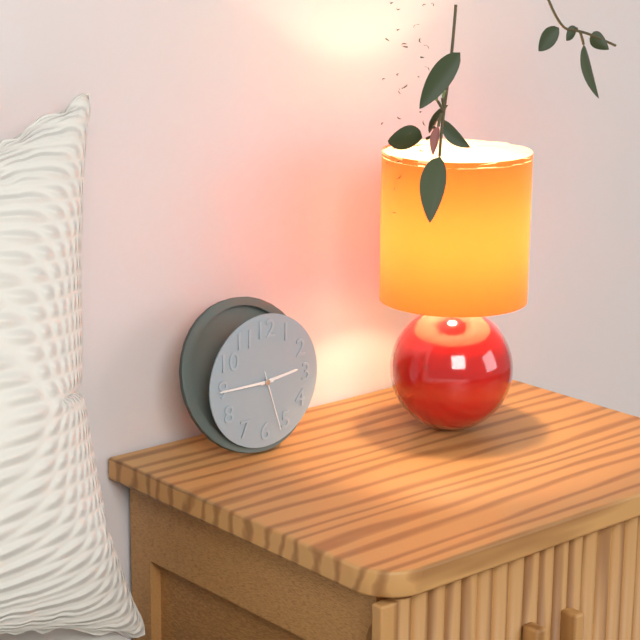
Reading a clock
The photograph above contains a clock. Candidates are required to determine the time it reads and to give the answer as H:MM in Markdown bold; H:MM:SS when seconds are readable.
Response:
**2:45:27**
